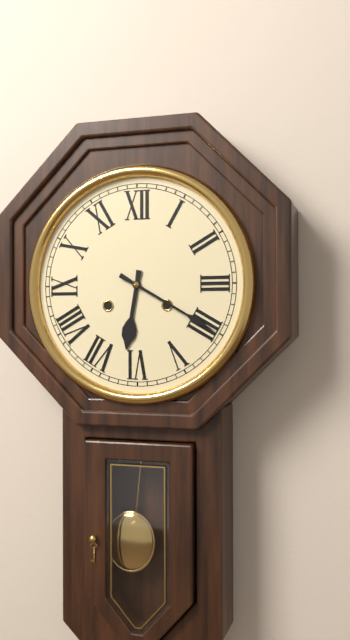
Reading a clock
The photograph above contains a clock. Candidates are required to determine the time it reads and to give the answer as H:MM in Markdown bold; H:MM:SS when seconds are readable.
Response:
**6:20**
